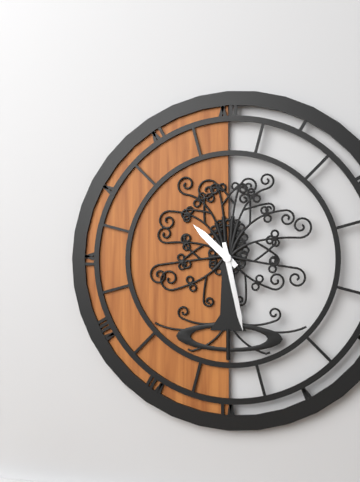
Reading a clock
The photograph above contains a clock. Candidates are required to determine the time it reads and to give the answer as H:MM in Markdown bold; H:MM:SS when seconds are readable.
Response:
**10:28**
